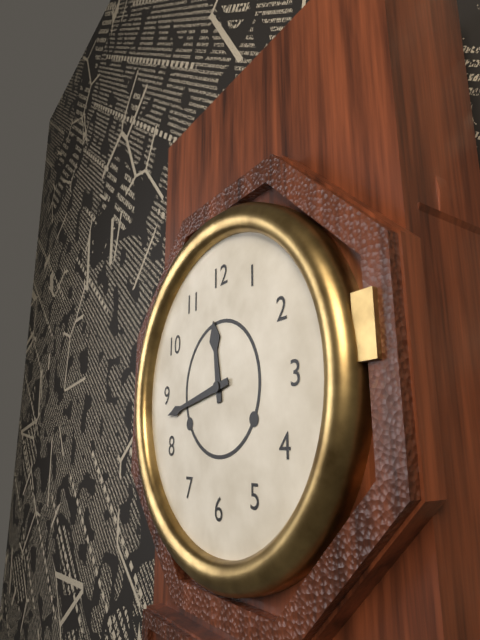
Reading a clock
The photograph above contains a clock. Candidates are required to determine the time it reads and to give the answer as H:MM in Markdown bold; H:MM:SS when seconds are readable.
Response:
**11:43**
